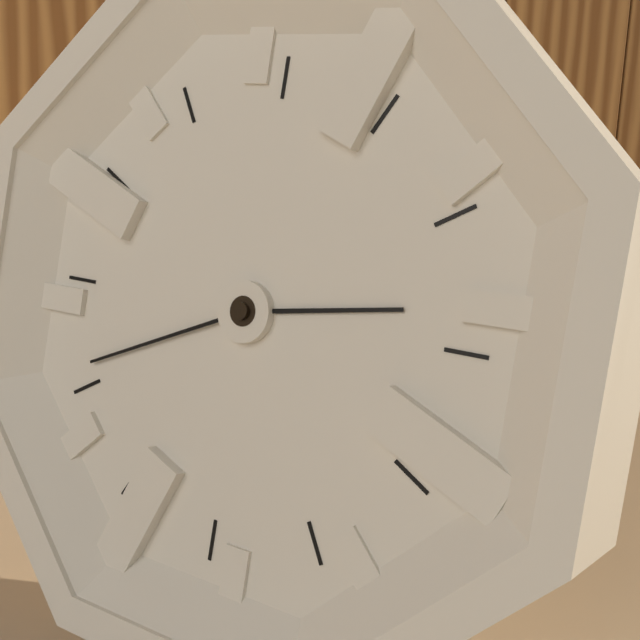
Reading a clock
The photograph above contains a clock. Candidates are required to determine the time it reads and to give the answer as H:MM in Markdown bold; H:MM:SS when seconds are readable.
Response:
**2:41**
